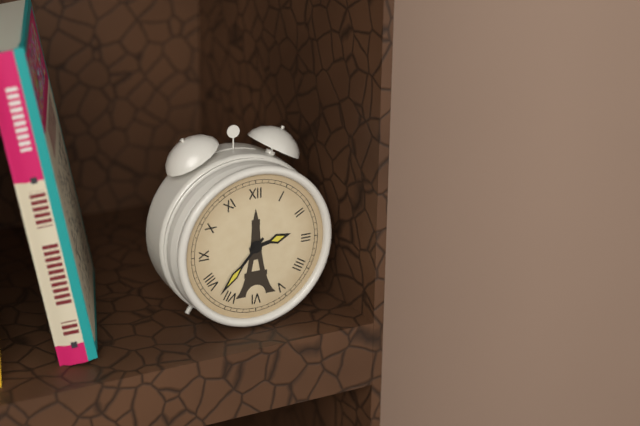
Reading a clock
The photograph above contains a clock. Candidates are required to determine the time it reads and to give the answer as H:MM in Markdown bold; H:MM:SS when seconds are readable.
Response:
**2:37**
